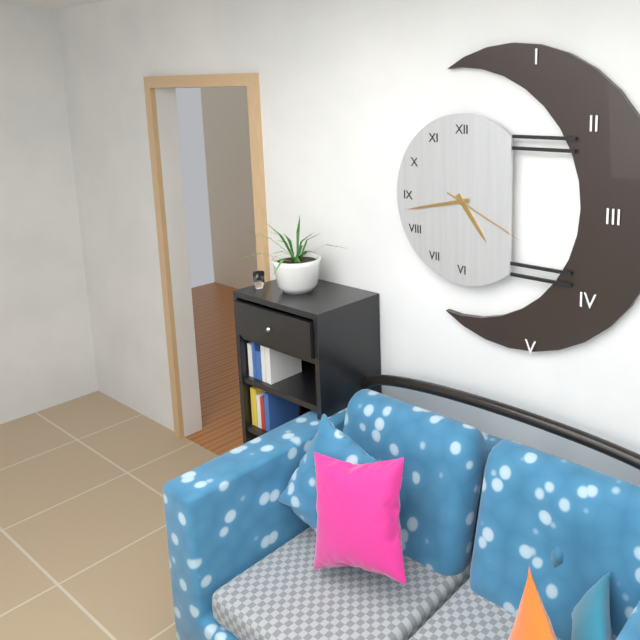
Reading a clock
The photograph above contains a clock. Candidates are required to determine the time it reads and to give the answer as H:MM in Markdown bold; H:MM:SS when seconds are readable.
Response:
**4:43:19**
